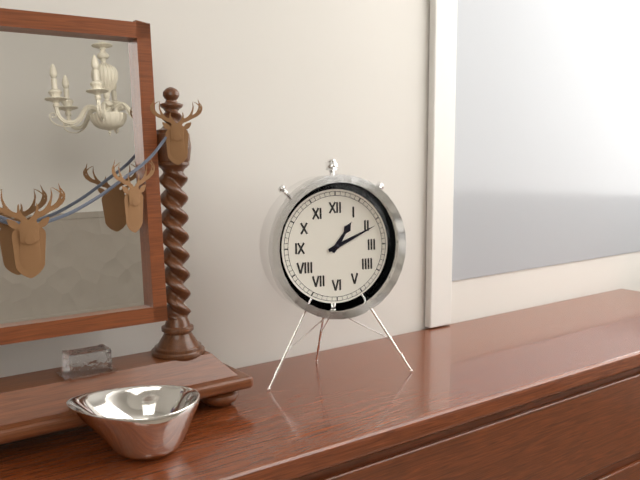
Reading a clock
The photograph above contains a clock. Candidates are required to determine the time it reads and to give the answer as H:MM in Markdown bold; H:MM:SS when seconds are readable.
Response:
**1:11**
